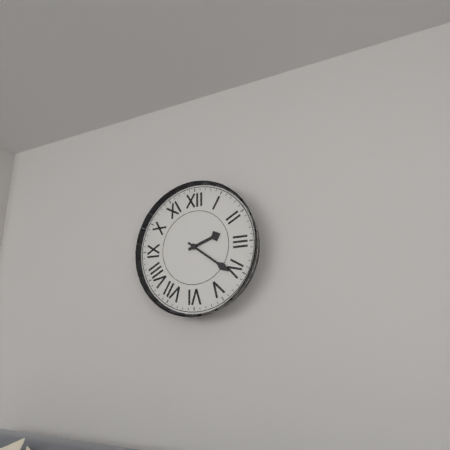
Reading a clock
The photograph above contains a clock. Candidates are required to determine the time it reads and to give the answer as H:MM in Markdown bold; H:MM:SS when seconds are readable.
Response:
**2:21**
